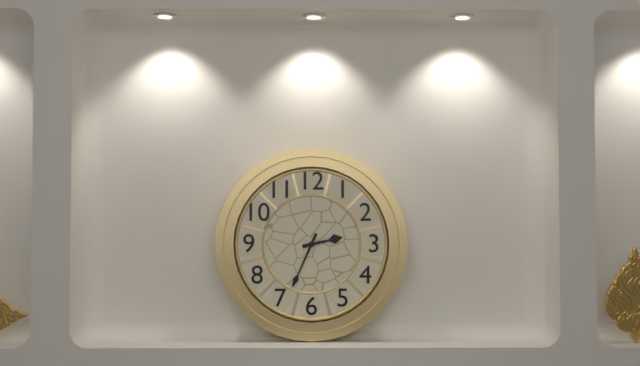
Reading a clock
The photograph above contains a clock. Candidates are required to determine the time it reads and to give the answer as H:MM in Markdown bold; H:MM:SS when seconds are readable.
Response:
**2:34**
